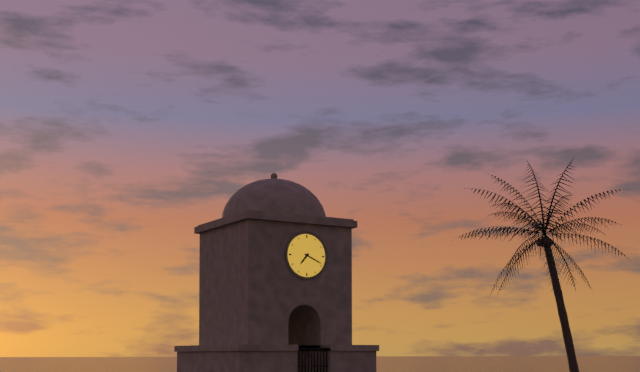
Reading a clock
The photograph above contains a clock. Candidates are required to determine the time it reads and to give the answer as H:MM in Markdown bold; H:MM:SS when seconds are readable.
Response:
**7:19**
